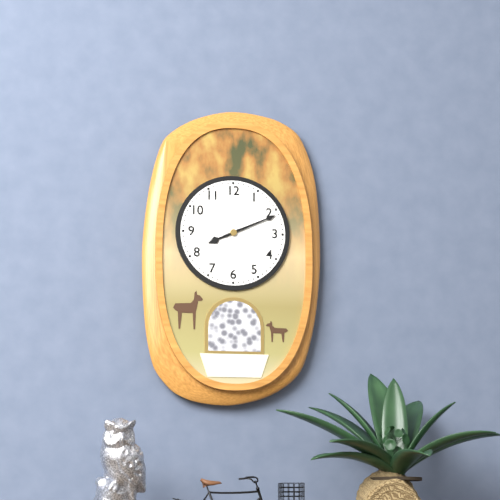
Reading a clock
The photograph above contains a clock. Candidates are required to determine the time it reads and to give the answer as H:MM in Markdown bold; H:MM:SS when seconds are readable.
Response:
**8:11**
